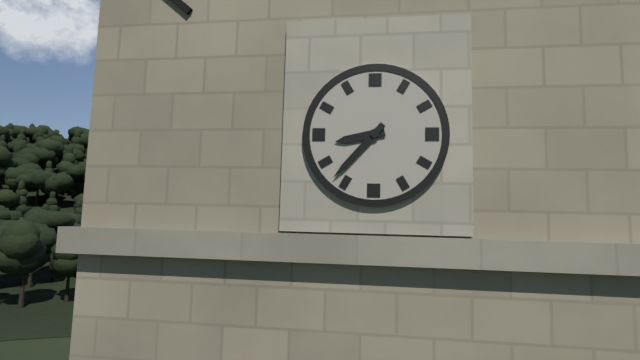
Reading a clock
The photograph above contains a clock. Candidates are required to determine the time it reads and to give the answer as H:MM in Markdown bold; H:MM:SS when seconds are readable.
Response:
**8:37**
